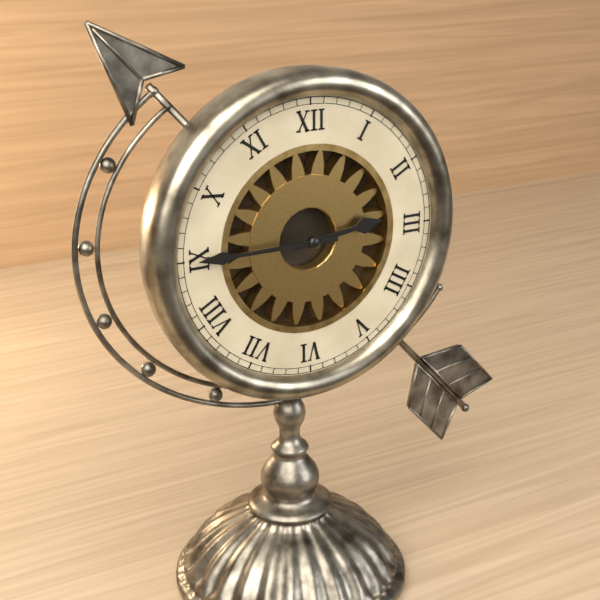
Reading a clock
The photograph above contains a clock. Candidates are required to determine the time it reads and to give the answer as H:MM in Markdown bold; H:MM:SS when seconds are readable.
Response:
**2:45**
